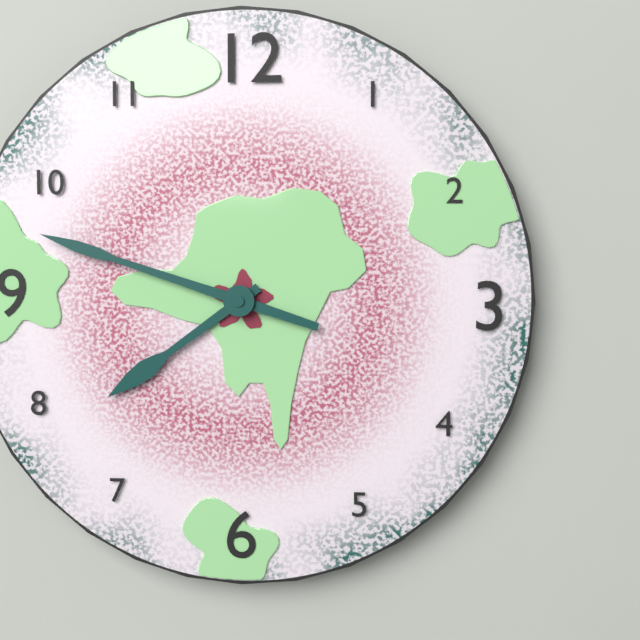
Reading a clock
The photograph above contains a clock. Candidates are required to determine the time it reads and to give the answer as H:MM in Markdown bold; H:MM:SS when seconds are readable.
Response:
**7:48**
